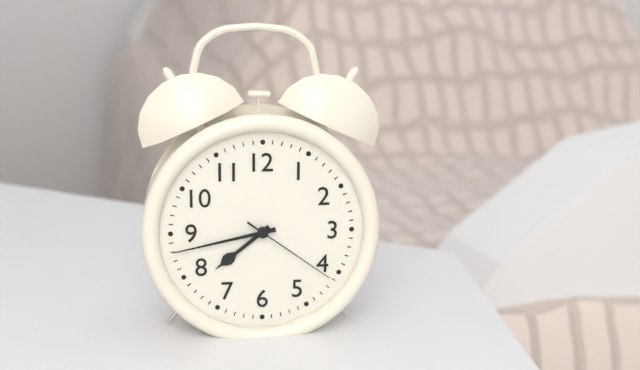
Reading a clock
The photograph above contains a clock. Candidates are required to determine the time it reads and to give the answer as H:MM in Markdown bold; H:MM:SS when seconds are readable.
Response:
**7:43:21**
